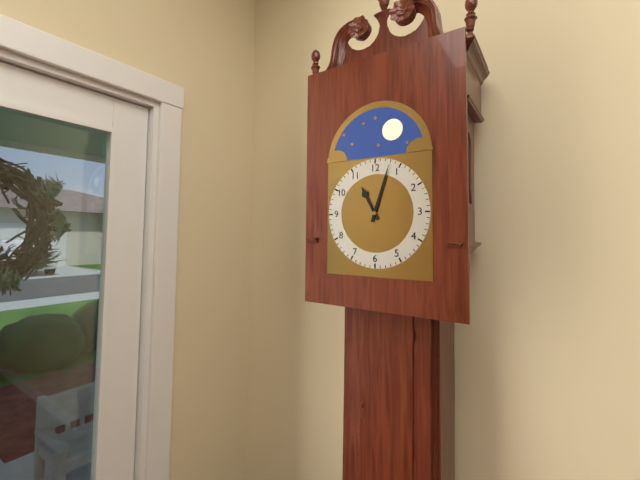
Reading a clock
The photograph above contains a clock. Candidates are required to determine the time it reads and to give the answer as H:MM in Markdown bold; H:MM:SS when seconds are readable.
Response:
**11:03**
